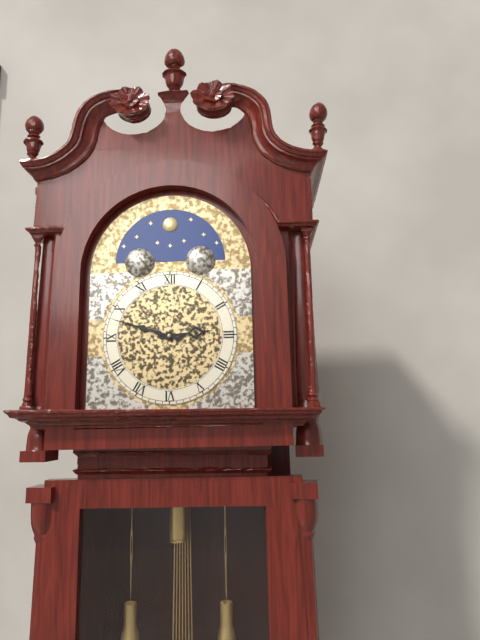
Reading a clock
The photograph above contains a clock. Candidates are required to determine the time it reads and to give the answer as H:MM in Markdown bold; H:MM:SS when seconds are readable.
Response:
**2:48**
